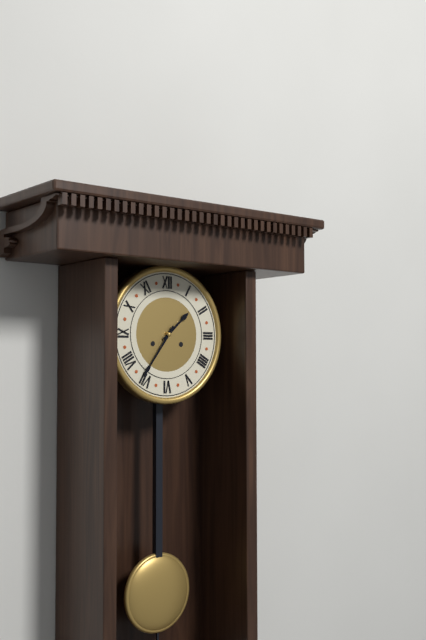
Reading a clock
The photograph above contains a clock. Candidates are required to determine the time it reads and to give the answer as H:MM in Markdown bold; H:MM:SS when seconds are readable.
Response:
**1:36**
